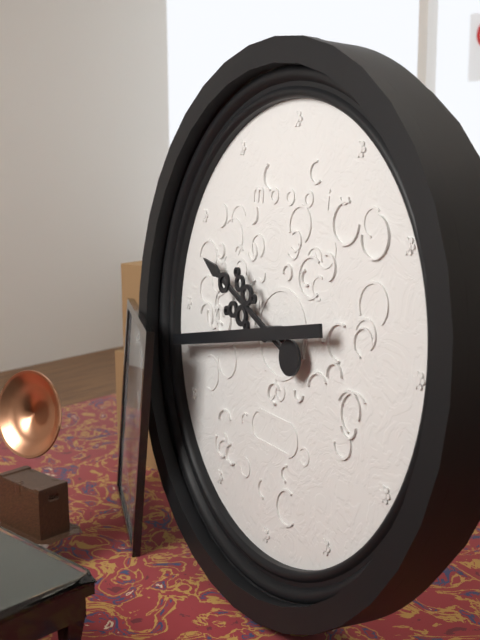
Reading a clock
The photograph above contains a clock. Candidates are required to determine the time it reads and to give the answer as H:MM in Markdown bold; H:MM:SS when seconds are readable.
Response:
**9:43**
